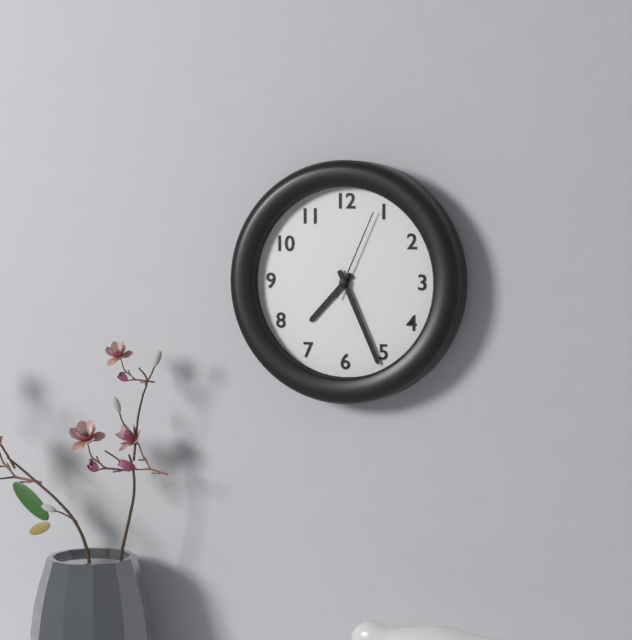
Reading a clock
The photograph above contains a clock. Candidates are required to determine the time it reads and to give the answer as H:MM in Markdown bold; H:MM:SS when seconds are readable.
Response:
**7:26:04**
